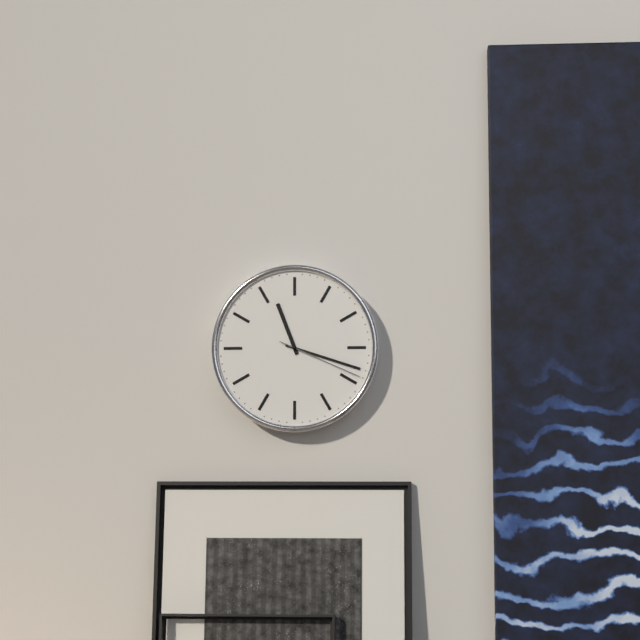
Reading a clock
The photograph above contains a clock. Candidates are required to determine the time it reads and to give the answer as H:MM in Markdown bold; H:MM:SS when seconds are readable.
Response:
**11:18:19**
